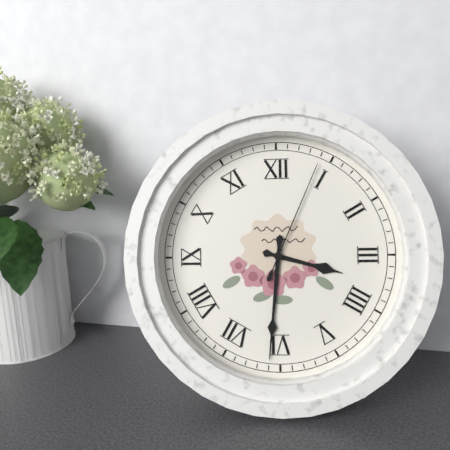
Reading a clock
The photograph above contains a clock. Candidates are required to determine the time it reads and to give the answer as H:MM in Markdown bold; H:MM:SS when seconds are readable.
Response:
**3:31:04**
